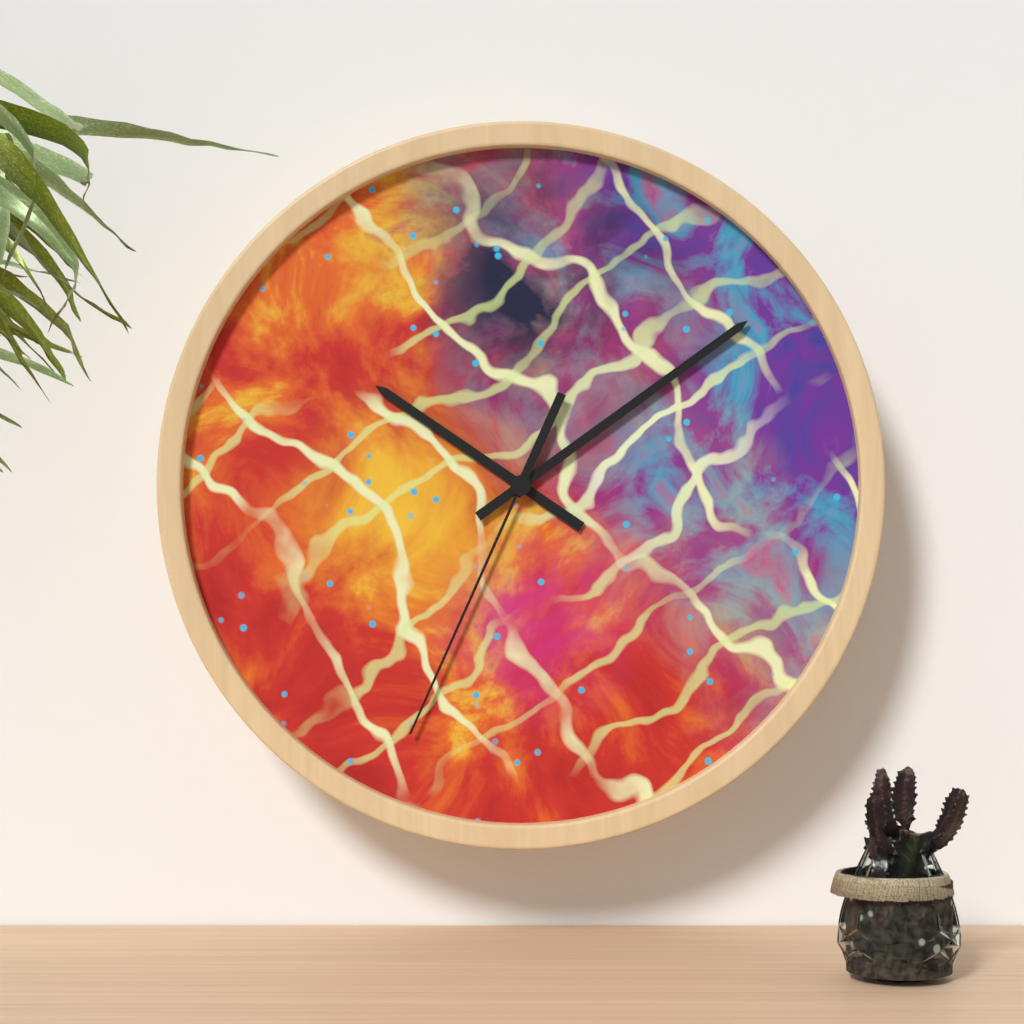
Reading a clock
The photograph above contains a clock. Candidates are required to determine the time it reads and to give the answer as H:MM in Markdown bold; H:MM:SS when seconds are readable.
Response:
**10:09:34**
